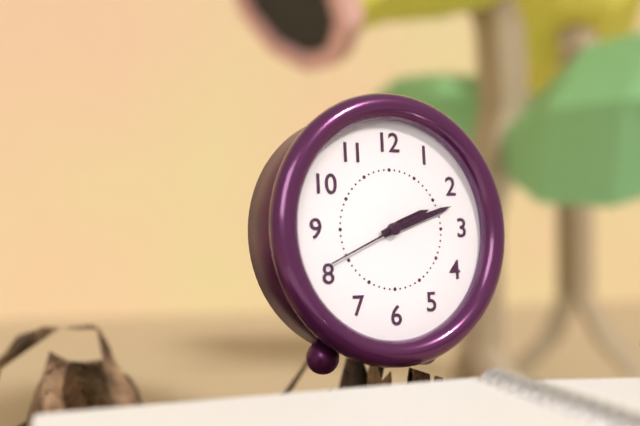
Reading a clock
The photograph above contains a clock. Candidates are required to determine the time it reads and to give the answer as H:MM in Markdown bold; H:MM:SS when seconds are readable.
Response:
**2:12:41**
